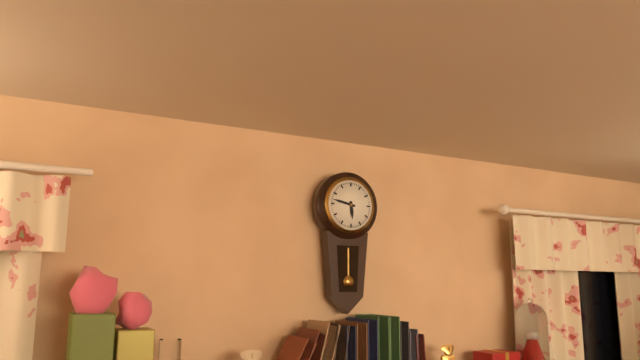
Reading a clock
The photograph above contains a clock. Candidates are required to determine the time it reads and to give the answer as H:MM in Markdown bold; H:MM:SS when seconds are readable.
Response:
**5:47**
